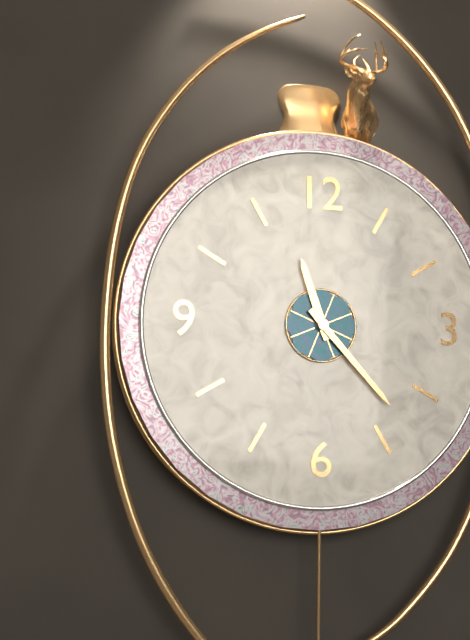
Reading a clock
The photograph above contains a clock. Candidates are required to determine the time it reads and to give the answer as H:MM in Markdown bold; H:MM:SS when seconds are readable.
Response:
**11:23**
